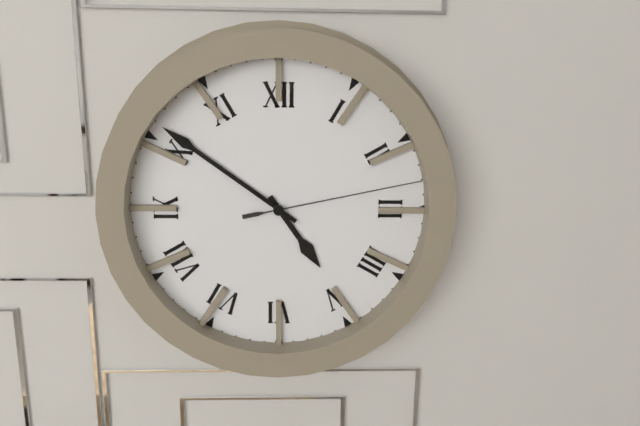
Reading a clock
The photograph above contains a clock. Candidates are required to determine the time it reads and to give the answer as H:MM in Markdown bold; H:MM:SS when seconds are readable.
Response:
**4:51:13**
